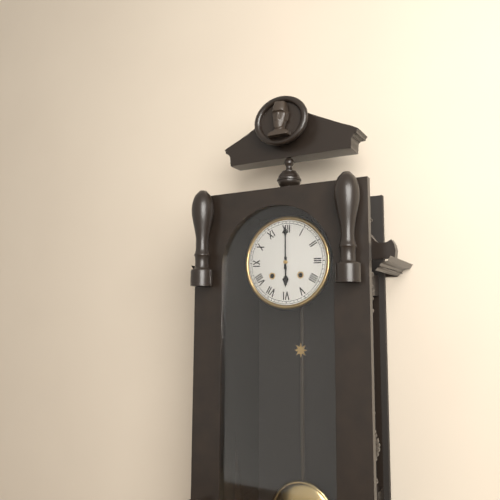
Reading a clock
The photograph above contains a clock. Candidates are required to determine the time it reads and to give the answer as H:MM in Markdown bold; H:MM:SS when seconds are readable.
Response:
**6:00**
